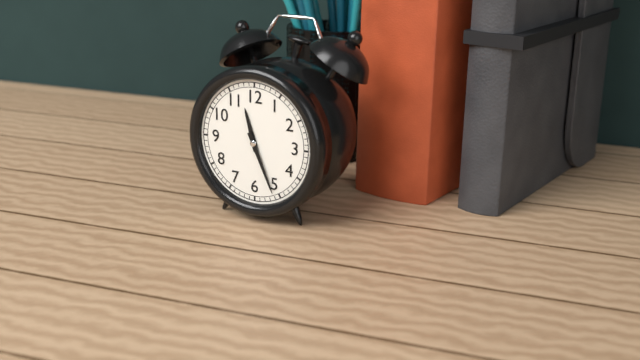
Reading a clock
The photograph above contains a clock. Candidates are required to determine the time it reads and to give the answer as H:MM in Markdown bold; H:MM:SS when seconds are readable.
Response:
**11:26**
